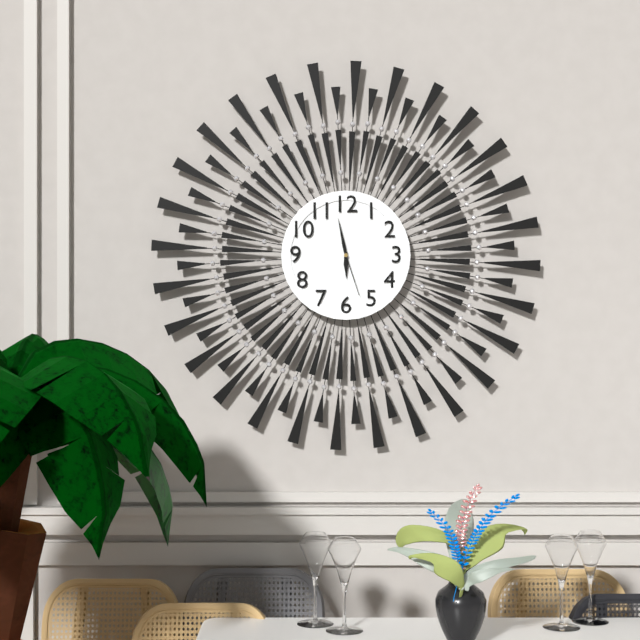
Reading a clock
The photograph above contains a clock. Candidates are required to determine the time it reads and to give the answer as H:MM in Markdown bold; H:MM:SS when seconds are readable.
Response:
**5:58:27**
